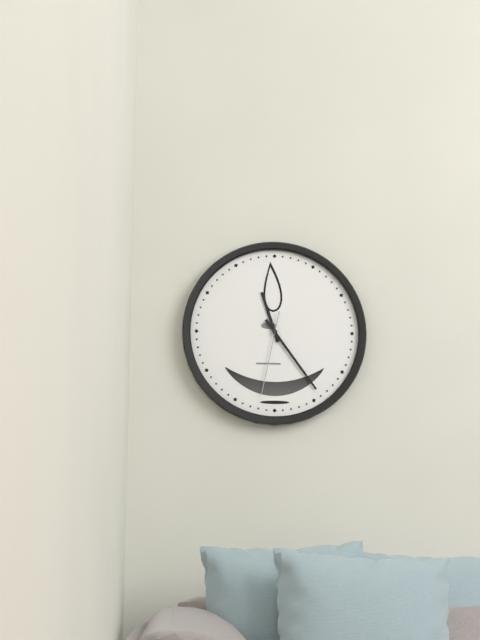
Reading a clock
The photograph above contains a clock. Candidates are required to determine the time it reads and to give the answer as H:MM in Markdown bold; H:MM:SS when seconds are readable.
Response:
**11:24:32**
